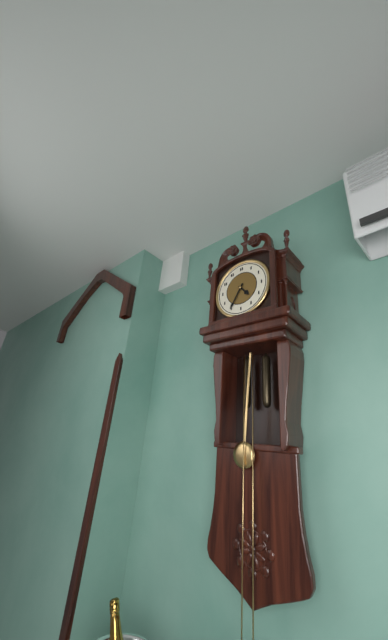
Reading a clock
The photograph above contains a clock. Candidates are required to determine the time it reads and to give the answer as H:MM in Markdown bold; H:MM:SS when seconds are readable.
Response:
**4:35**
